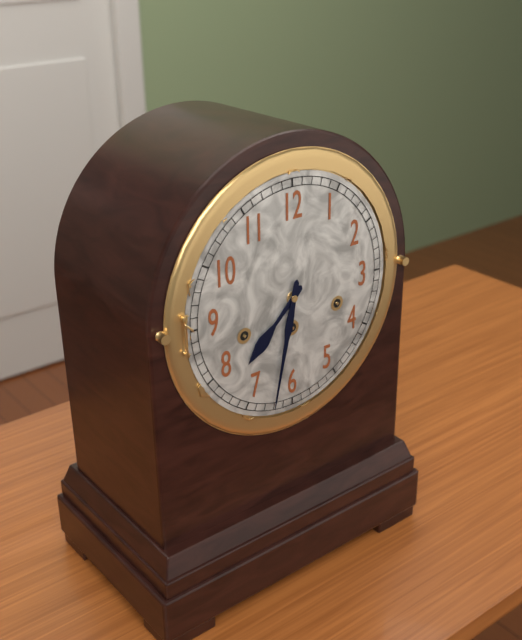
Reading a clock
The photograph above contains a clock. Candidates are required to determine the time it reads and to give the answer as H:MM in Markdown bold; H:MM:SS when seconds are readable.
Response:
**7:32**
